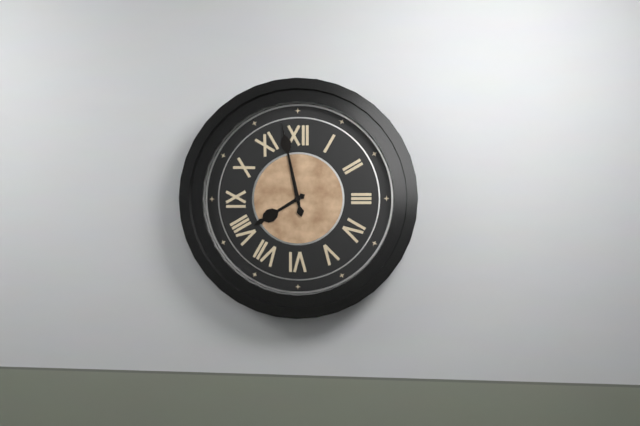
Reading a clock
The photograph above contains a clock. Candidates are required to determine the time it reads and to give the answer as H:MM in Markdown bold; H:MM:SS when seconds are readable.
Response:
**7:58**
